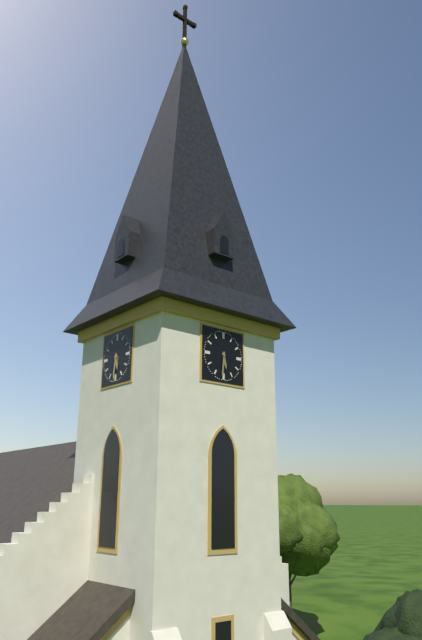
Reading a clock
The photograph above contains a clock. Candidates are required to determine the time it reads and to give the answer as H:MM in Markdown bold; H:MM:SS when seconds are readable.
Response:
**5:31**
